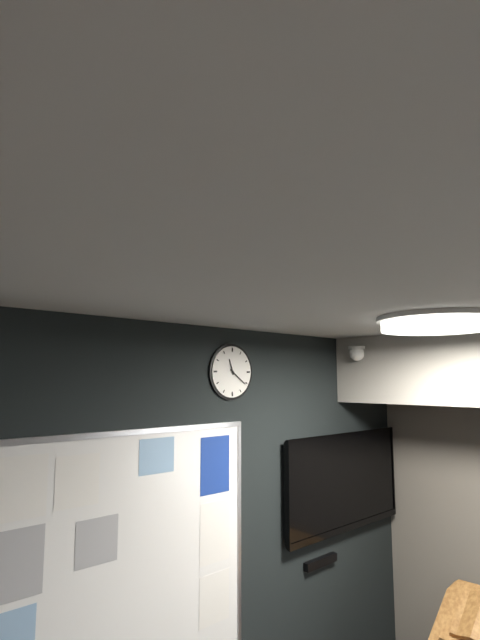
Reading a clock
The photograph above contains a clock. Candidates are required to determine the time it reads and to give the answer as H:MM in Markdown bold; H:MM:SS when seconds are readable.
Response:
**11:21**
